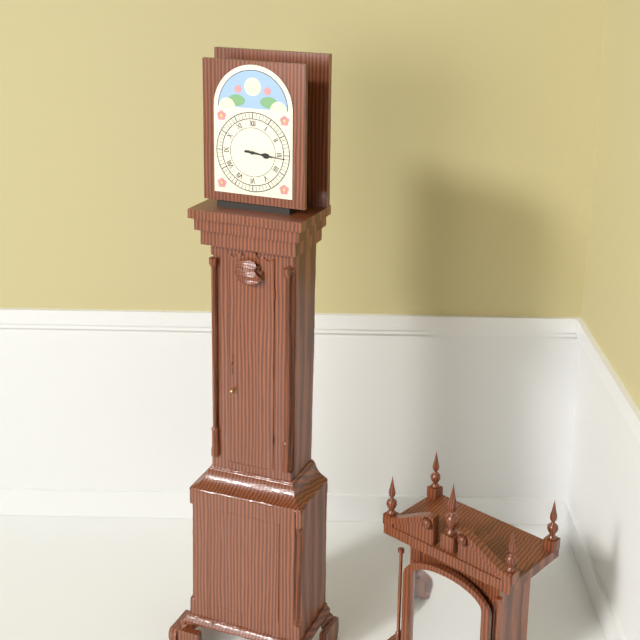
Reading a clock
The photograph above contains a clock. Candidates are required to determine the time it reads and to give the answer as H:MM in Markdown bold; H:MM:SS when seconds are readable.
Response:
**3:16**
